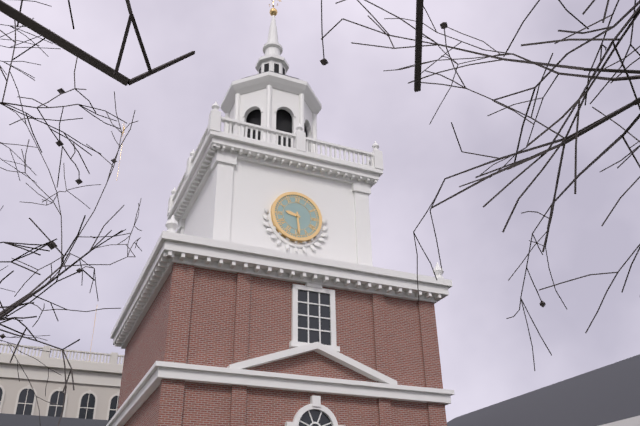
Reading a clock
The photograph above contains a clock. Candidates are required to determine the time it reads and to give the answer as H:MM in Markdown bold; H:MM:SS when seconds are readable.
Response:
**9:29**
